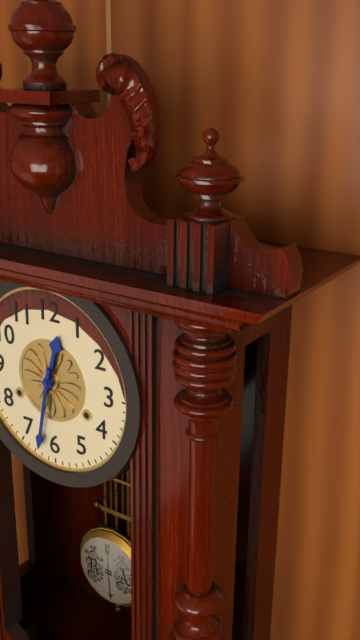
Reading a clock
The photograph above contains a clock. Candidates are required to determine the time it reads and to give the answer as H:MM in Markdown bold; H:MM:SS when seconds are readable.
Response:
**12:32**
